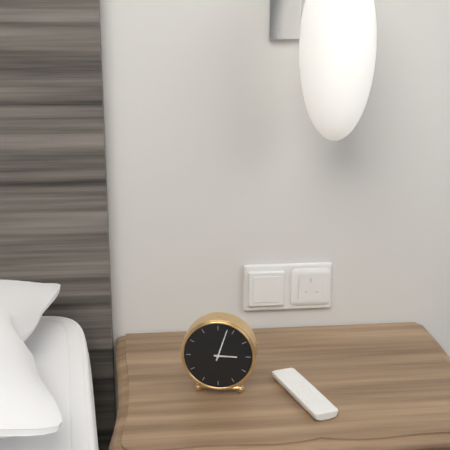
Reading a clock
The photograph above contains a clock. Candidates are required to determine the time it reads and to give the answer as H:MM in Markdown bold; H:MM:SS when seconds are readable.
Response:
**3:03**
